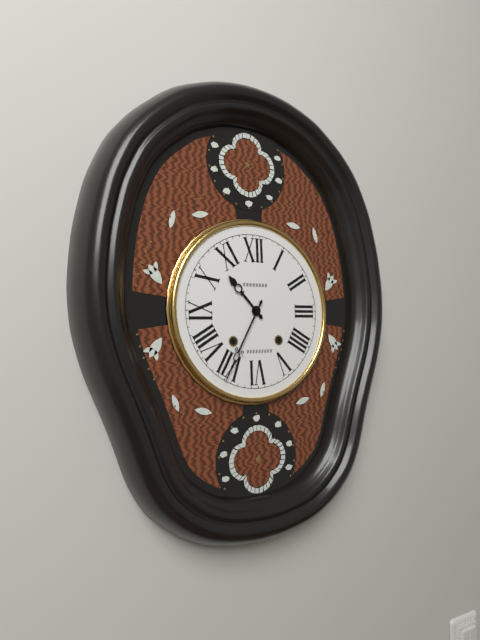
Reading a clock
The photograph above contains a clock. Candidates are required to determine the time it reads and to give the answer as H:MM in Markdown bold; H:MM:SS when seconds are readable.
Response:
**10:35**
